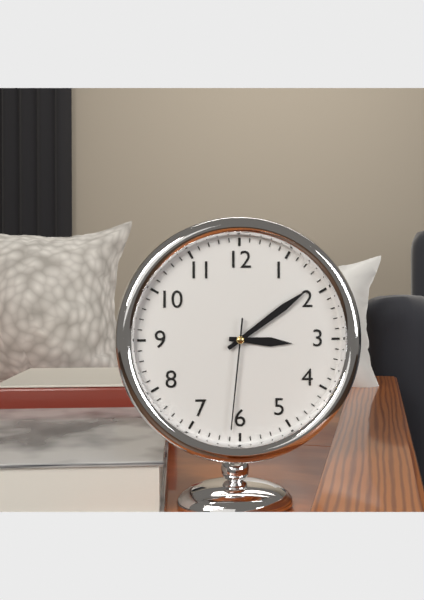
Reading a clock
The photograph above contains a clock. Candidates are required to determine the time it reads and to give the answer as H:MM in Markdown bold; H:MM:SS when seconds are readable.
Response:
**3:09:31**
